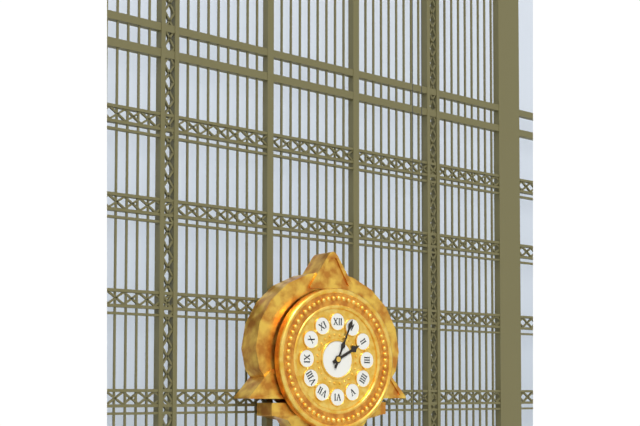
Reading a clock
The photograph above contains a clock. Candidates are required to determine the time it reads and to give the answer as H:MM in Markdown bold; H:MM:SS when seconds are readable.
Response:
**2:04**
